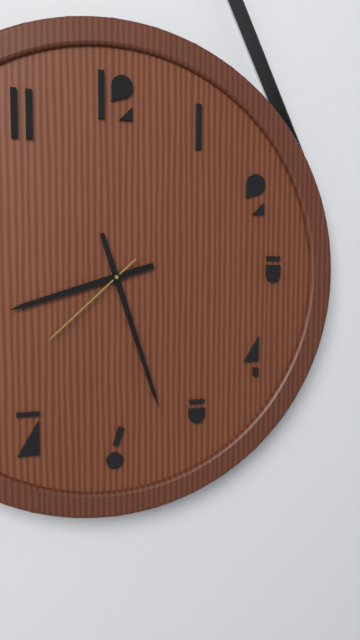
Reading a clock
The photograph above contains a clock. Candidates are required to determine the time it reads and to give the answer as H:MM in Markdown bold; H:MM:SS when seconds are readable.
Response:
**8:27:38**
